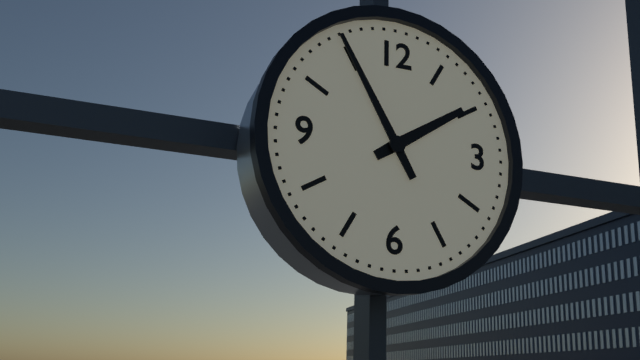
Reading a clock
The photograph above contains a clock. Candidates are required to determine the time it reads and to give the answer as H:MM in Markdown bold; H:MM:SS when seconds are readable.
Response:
**1:55**
